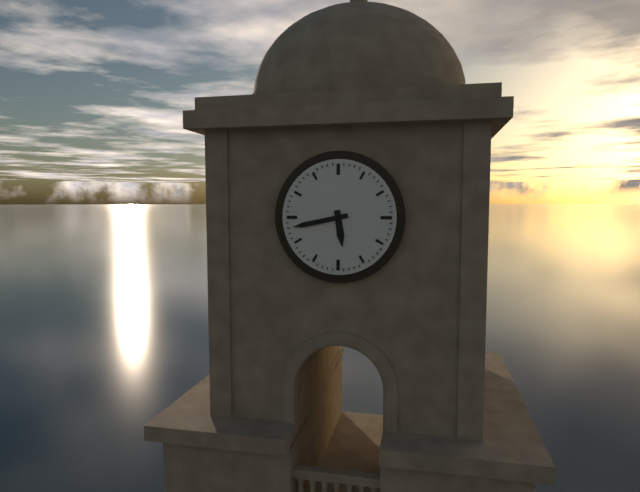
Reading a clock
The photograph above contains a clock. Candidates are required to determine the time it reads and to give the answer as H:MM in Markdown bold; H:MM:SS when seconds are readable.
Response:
**5:43**
